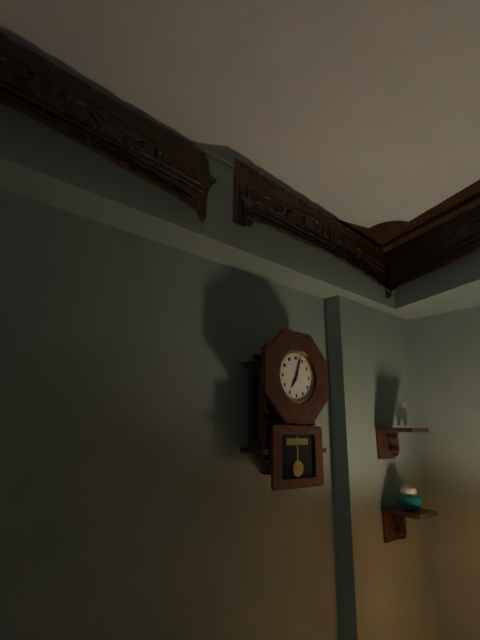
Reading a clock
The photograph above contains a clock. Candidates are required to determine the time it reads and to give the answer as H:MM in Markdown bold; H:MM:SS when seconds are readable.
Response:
**7:03**
